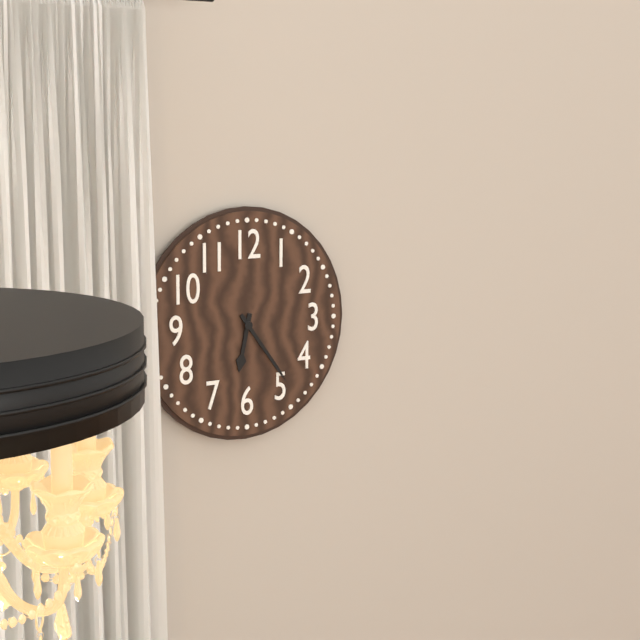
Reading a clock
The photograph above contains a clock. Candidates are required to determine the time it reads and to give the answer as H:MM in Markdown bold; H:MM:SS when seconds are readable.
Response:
**6:24**
